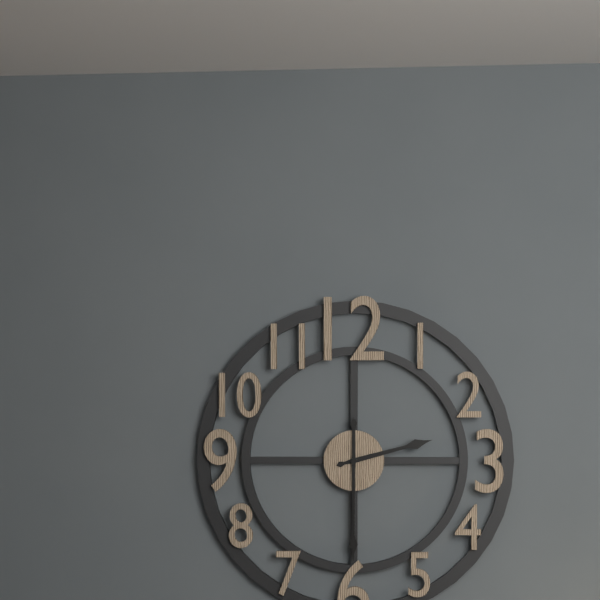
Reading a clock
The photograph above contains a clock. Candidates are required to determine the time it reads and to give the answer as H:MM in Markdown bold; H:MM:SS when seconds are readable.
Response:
**2:30**
